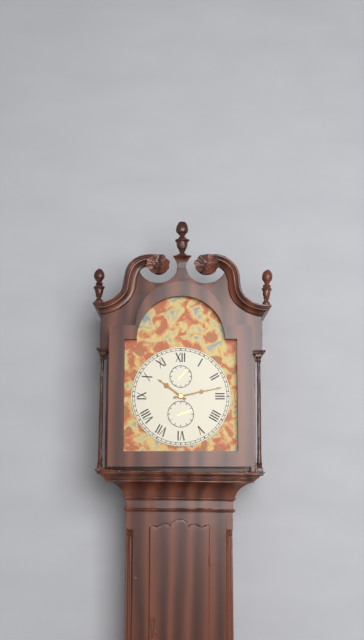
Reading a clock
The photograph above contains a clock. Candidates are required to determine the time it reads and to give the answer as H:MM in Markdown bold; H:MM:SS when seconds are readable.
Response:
**10:13**
